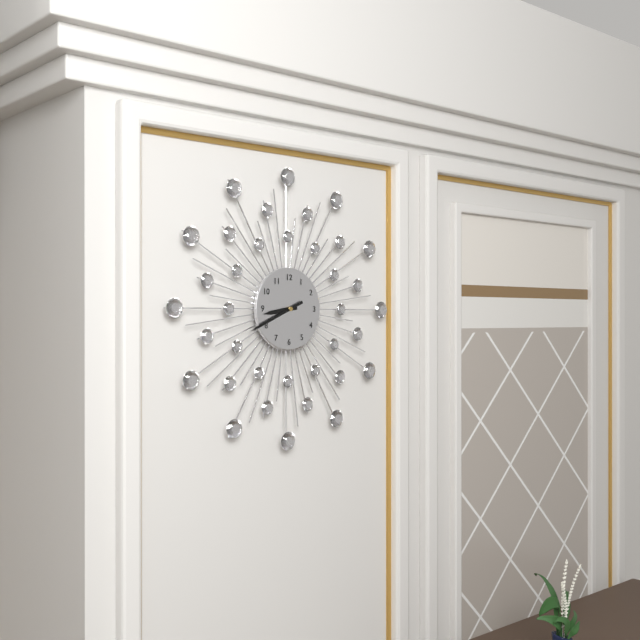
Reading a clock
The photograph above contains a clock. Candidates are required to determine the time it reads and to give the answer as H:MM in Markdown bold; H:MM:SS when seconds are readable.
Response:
**8:41**
